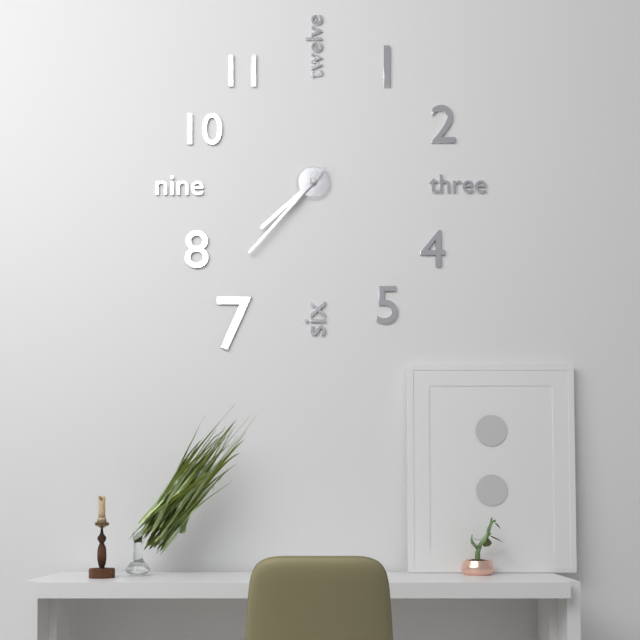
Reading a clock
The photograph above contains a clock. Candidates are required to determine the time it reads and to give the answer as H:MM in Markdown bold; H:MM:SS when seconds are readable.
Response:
**7:37**
